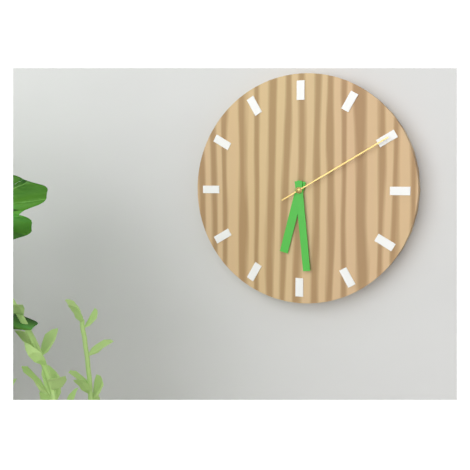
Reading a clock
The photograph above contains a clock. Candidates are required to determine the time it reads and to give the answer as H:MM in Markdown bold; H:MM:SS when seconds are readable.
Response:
**6:29:10**
